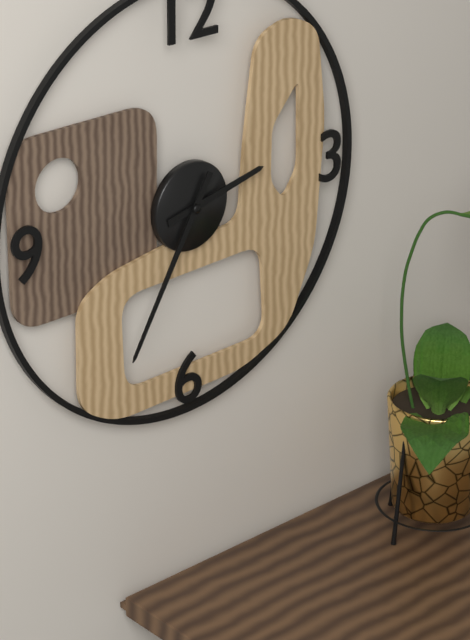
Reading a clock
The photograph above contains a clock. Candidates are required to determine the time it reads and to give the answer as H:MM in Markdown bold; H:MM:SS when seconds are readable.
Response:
**2:35**
